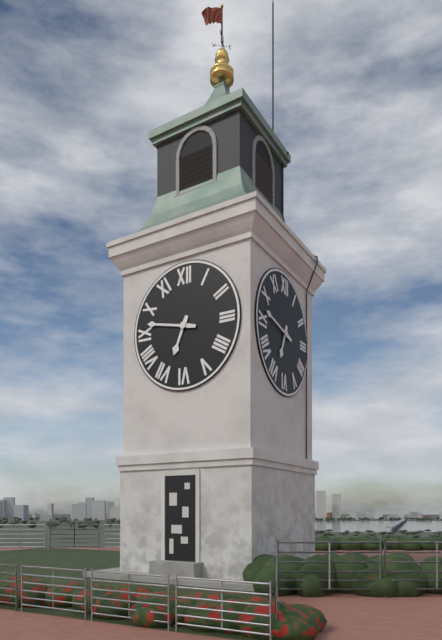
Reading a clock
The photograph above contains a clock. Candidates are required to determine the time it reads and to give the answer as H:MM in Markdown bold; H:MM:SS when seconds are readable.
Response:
**6:47**
